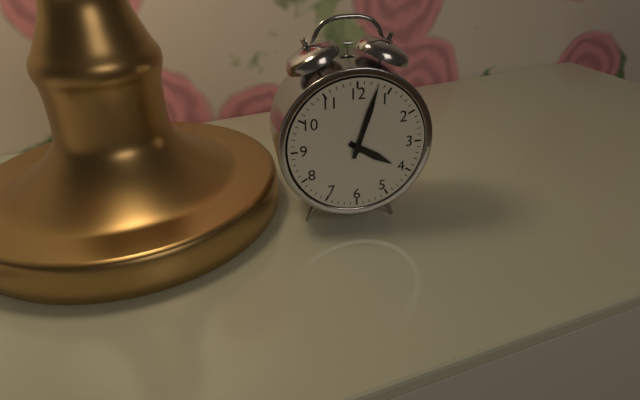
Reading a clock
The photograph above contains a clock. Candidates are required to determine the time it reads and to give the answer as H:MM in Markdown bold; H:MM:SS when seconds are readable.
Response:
**4:03**
